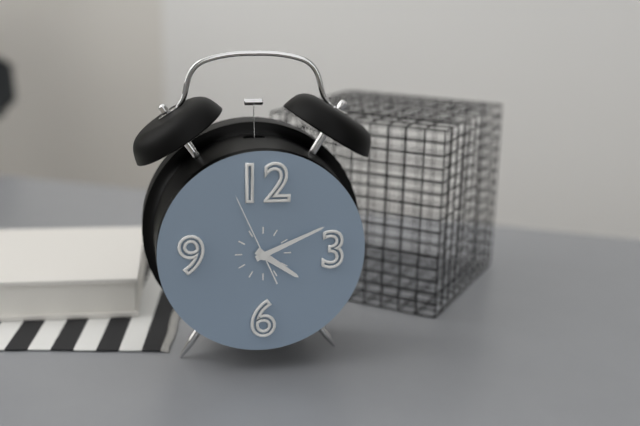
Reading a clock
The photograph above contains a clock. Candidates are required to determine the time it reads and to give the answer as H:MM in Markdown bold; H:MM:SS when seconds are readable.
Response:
**4:11:56**
